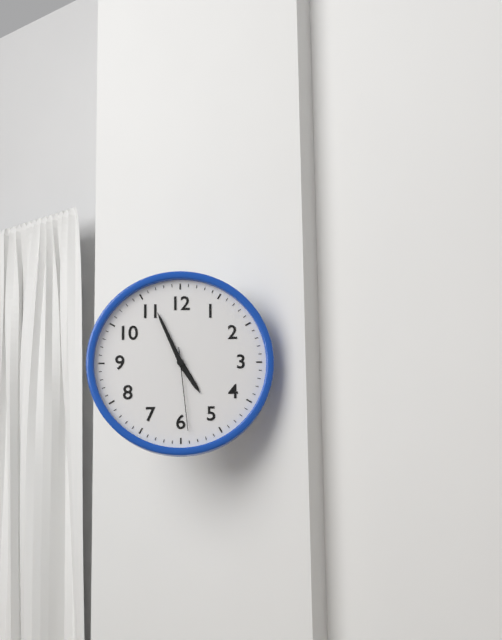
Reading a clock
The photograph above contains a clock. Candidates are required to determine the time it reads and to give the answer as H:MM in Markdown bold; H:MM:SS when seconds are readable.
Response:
**4:56:29**
